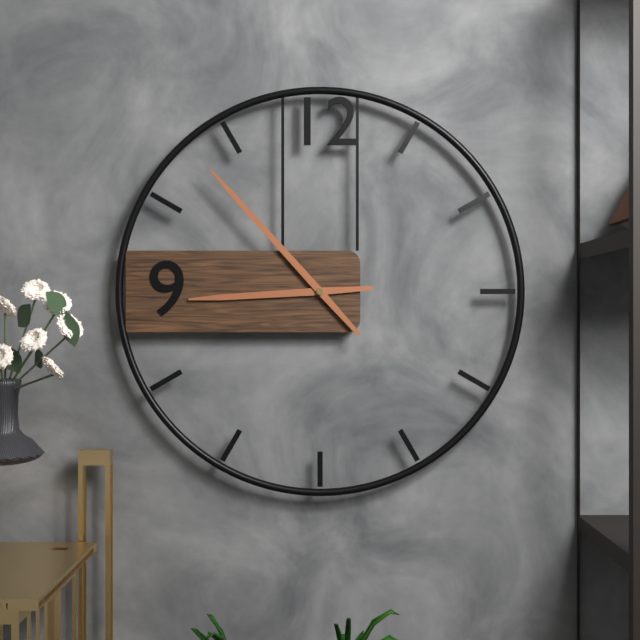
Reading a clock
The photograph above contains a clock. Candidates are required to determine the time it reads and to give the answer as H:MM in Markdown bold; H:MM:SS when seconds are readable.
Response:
**8:53**
